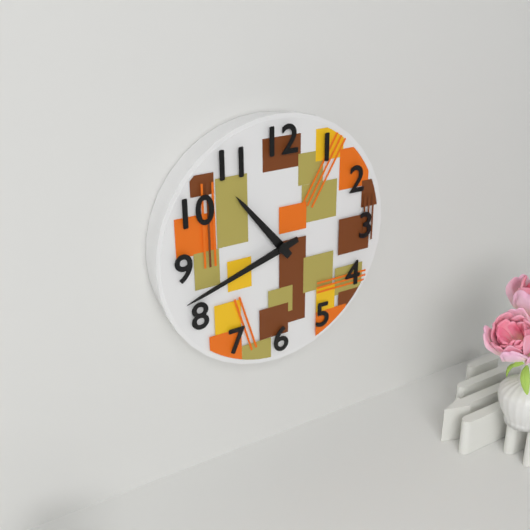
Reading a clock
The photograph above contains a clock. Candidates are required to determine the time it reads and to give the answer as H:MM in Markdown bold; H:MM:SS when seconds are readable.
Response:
**10:42**
